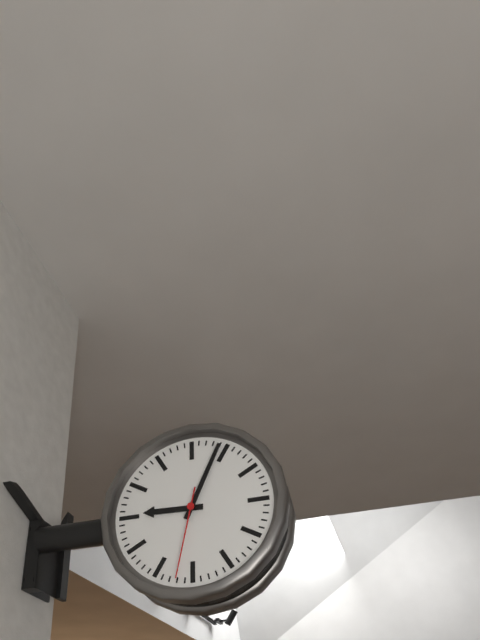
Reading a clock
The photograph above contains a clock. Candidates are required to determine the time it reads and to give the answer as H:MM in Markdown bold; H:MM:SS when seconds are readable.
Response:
**9:04:32**
